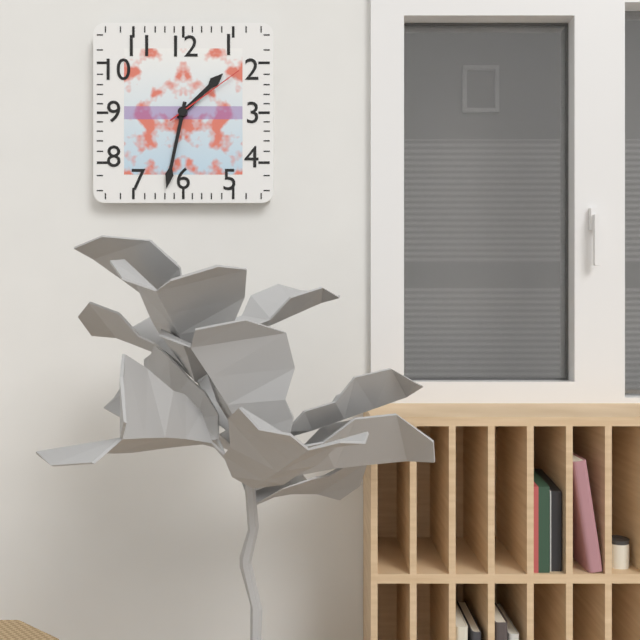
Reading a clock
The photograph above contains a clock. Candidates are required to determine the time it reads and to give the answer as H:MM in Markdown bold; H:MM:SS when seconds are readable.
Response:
**1:32:09**
